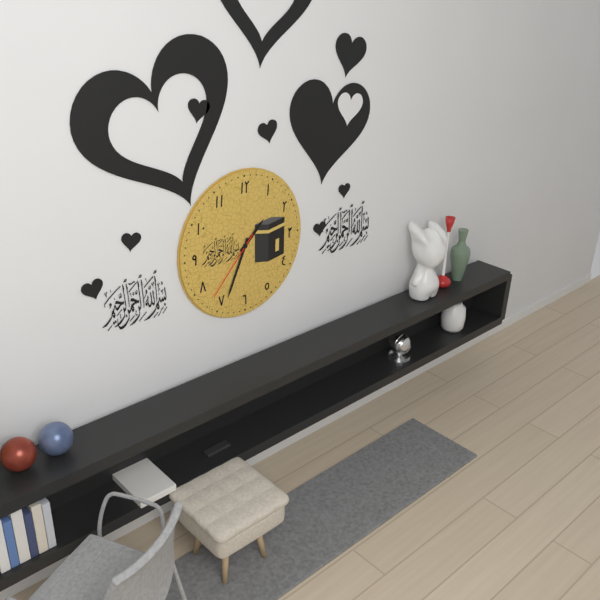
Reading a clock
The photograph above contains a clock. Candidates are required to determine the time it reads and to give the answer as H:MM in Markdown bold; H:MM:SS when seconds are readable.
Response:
**1:34:37**
